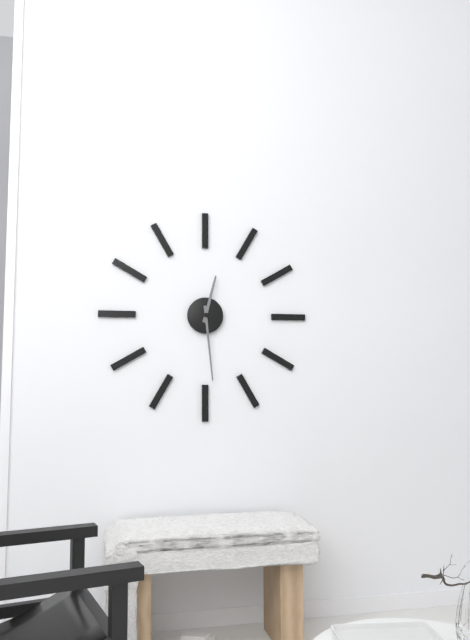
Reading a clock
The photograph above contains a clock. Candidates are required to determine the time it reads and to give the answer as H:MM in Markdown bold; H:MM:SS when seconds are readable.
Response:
**12:29**
